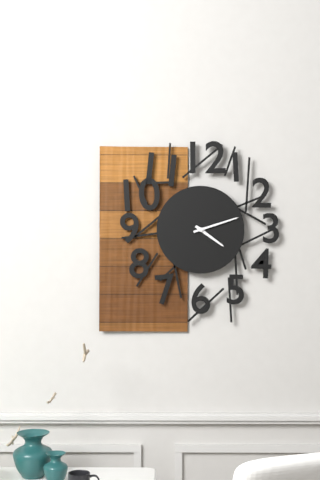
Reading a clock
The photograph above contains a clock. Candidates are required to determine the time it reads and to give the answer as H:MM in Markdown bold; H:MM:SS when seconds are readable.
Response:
**4:12**
